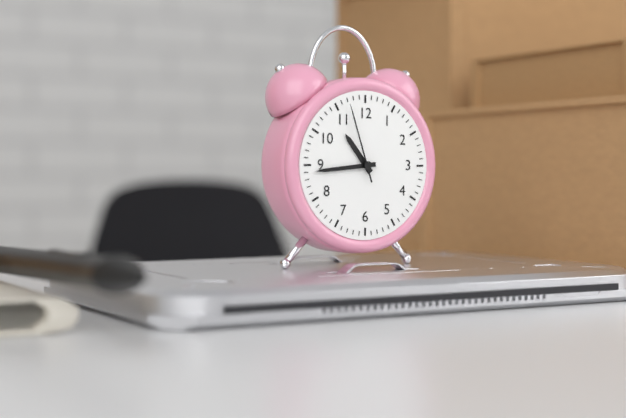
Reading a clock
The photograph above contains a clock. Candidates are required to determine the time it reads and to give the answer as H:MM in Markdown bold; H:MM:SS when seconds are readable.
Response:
**10:44:57**
